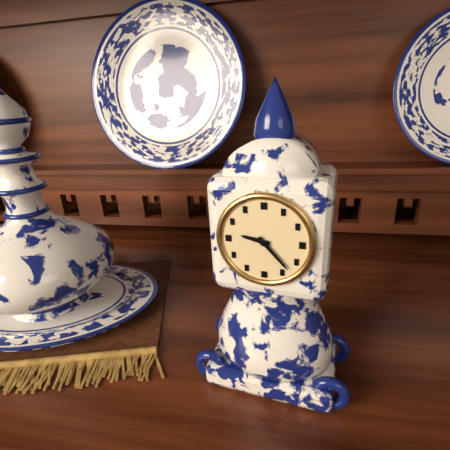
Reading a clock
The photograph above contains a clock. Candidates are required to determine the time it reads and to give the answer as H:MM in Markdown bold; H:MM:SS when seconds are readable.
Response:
**9:23**
